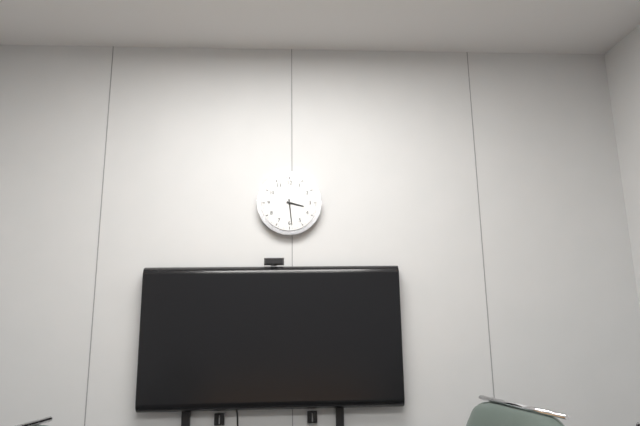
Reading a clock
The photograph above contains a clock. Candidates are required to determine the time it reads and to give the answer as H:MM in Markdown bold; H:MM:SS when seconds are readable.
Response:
**3:29**
